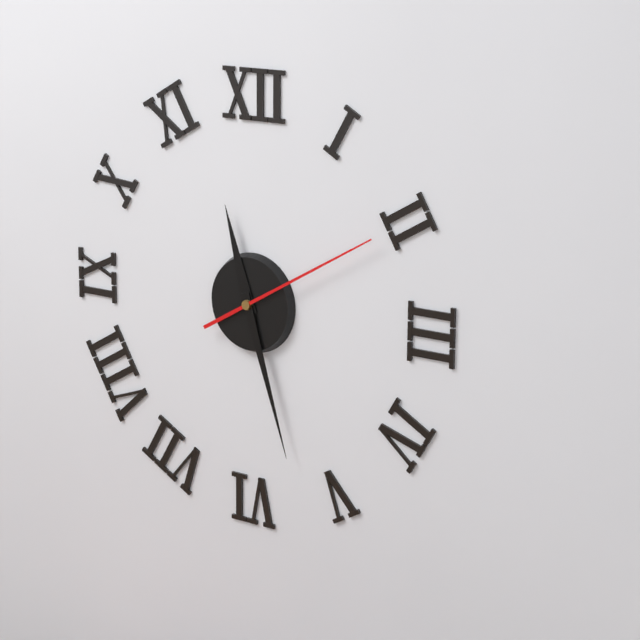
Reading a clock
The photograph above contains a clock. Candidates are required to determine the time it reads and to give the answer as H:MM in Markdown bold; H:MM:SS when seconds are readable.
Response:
**11:27:10**
